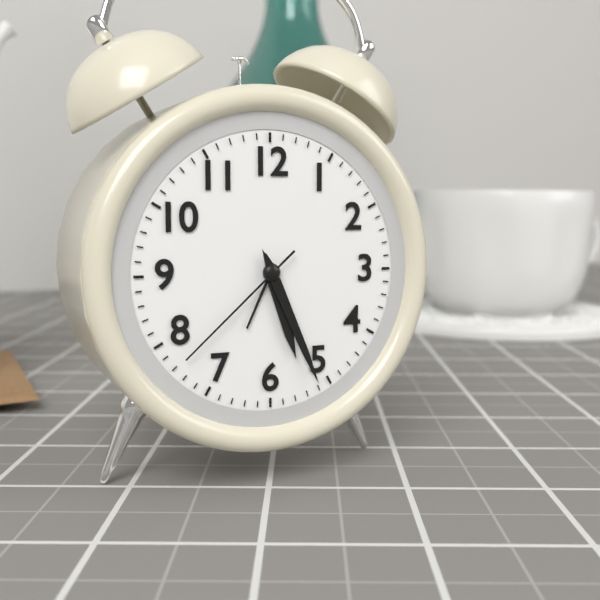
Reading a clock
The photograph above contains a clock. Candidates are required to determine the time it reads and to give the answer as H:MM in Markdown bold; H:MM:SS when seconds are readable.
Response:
**5:26:38**
